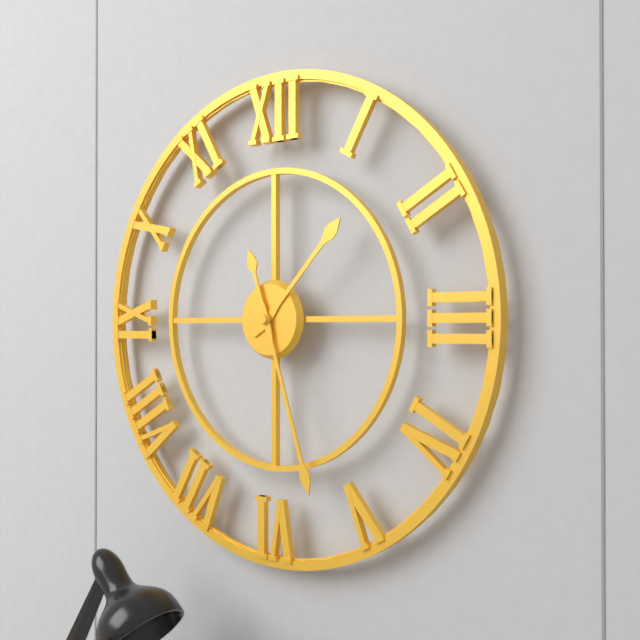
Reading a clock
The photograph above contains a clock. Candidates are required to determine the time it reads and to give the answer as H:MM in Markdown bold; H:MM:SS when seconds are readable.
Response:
**1:27**
